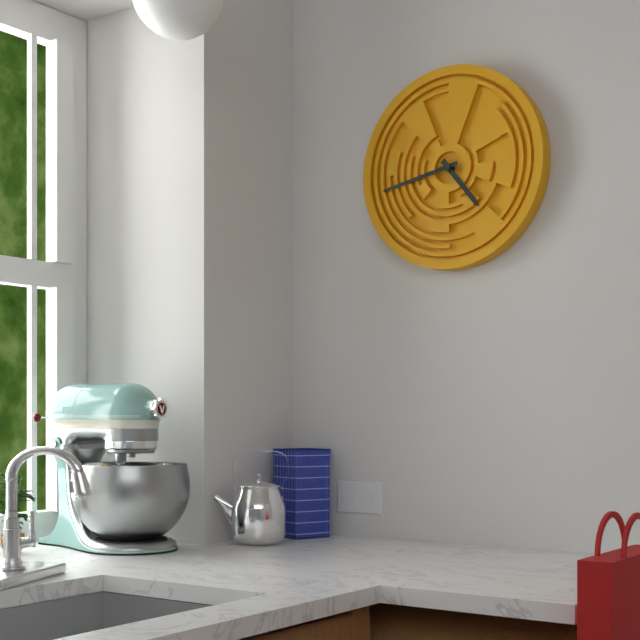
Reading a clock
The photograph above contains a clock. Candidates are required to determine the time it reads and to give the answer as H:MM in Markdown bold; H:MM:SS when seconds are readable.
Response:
**4:43**
